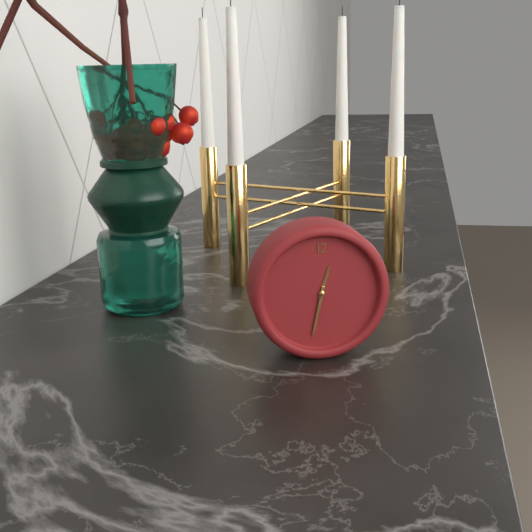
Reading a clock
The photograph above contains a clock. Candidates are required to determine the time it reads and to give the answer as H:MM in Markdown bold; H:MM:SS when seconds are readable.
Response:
**12:32**
